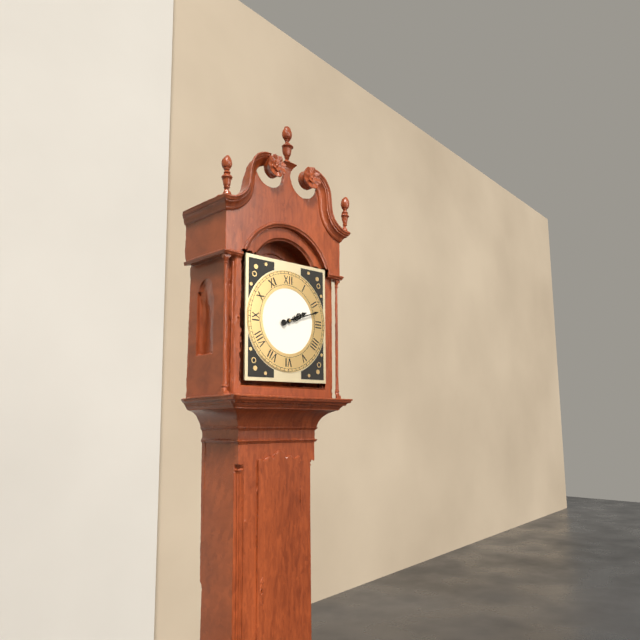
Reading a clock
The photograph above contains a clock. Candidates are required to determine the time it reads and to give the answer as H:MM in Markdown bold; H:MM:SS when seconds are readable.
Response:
**2:12**
